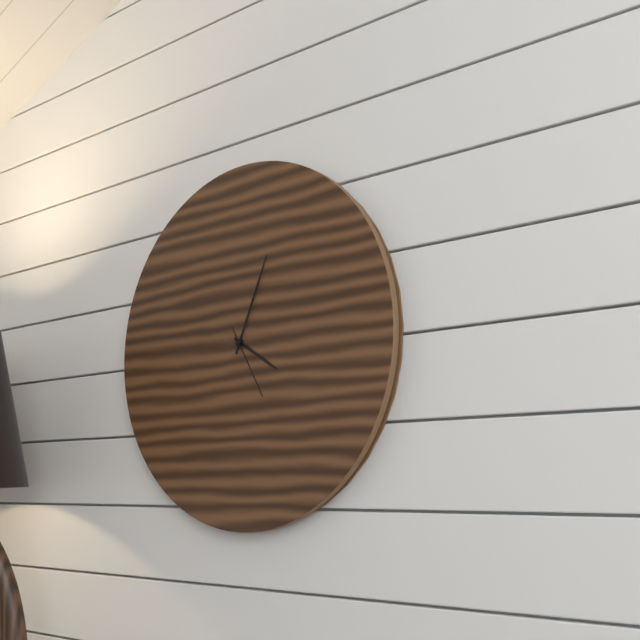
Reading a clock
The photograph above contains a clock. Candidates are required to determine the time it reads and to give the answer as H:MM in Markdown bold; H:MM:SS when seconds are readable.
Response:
**4:04:25**
